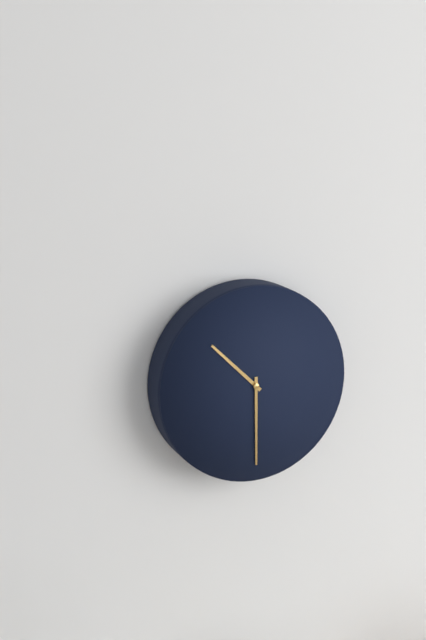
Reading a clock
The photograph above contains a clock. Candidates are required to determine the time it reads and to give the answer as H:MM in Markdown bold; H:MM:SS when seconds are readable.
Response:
**10:30**
